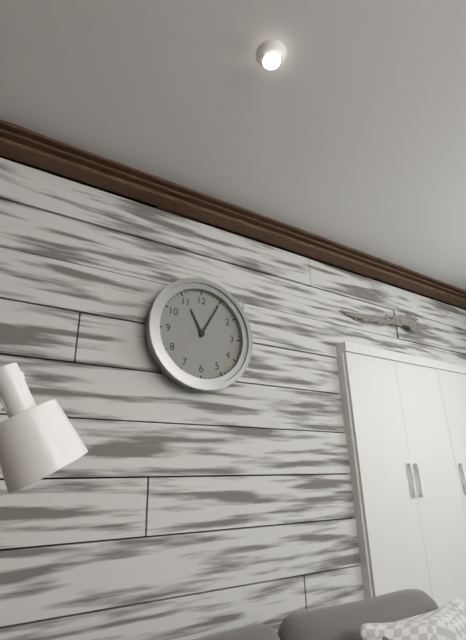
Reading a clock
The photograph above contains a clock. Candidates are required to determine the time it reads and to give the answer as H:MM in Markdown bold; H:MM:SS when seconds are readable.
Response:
**11:05**
